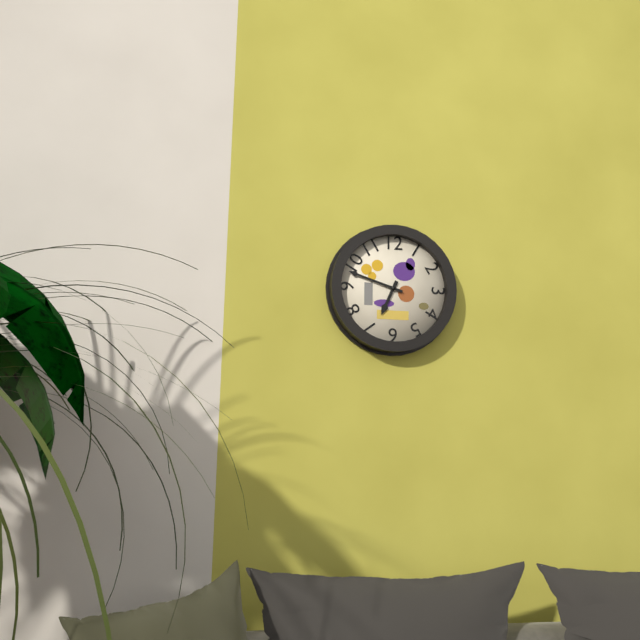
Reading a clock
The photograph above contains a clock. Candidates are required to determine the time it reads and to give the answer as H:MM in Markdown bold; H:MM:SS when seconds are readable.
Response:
**6:48**
